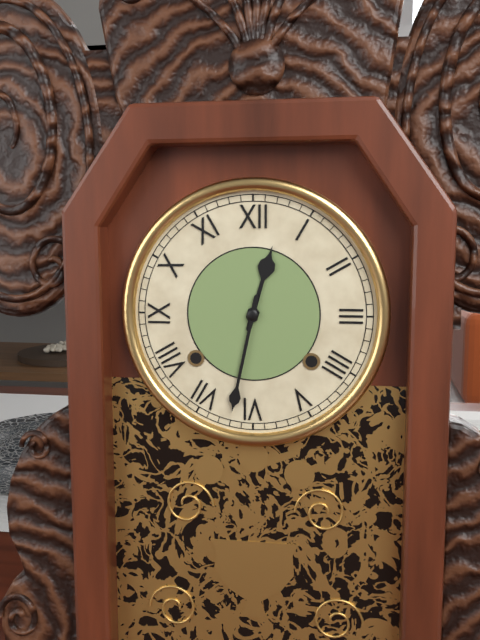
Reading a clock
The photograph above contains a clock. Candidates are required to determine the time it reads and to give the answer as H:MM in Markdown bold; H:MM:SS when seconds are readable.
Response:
**12:32**
